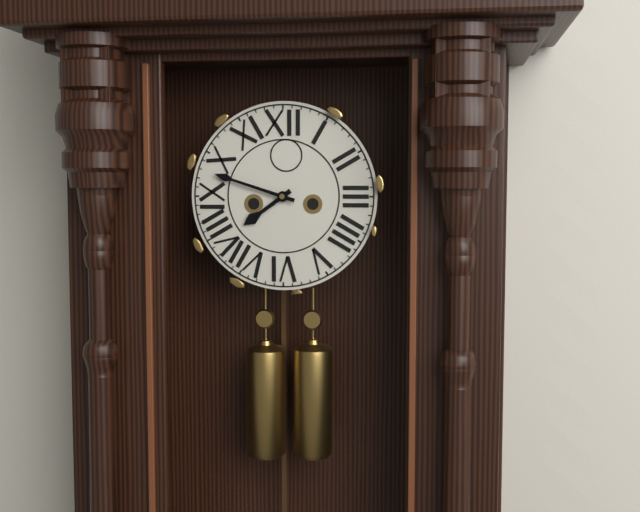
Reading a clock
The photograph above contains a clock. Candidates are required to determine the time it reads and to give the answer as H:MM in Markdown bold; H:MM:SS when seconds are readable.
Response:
**7:48**
